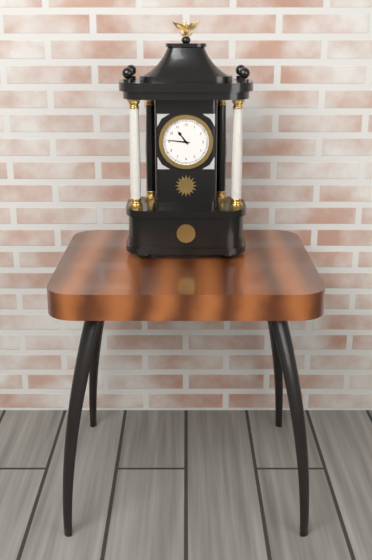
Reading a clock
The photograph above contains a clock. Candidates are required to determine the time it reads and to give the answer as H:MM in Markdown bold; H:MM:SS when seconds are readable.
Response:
**10:46**
